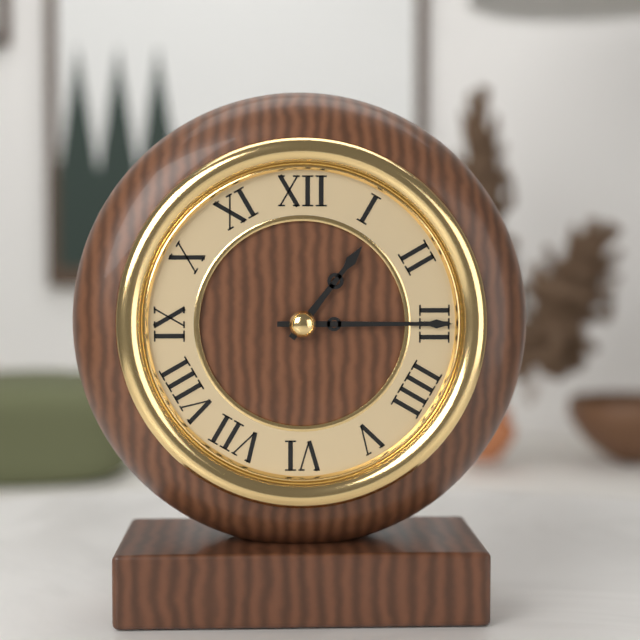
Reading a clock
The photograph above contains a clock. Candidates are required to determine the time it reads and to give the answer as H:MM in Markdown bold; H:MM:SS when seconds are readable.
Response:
**1:15**
